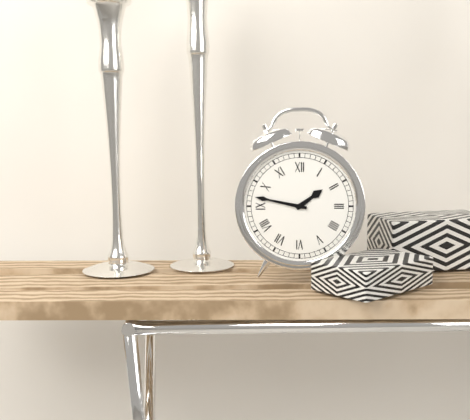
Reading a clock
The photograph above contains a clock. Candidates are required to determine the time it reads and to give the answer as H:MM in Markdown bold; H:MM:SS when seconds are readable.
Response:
**1:47**
